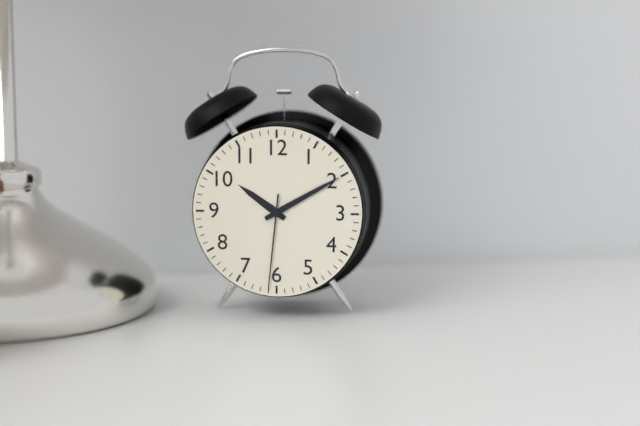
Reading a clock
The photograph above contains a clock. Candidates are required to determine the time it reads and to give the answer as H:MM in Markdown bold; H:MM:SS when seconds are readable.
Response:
**10:10:31**
